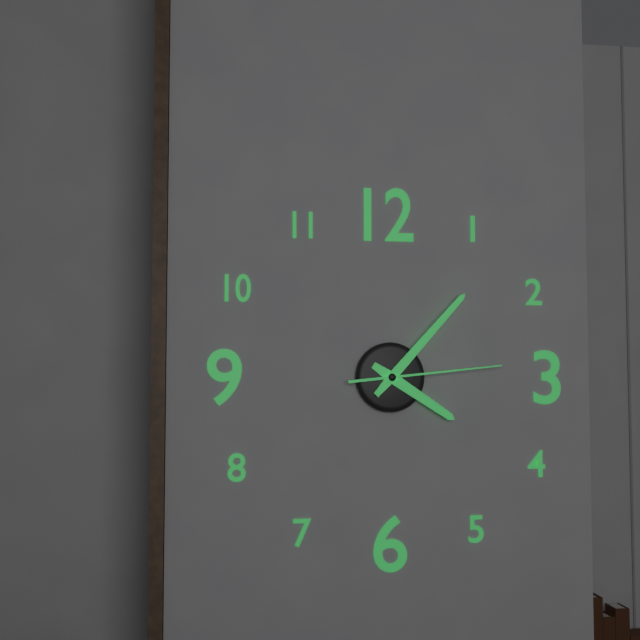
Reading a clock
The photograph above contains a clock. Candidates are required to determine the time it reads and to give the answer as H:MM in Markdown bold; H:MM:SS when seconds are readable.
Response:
**4:07:14**
